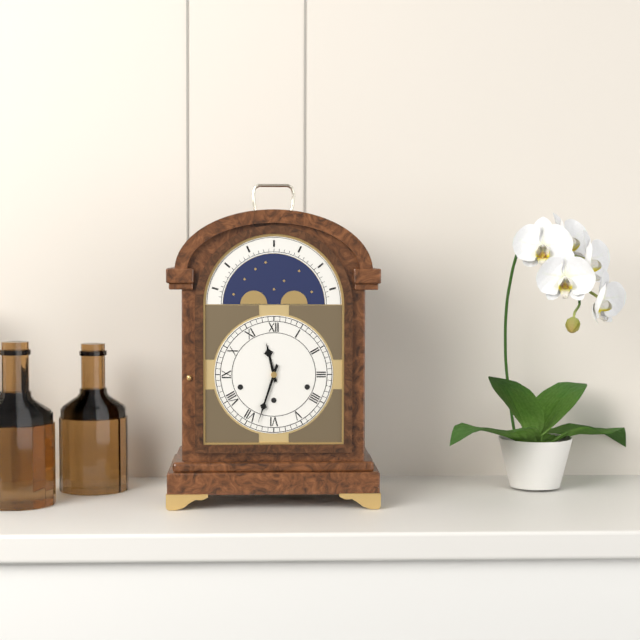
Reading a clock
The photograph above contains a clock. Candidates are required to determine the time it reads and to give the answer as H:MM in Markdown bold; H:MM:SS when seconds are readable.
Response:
**11:33**
